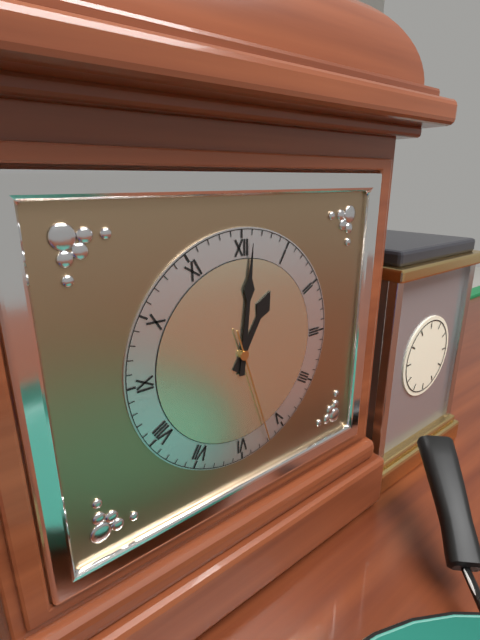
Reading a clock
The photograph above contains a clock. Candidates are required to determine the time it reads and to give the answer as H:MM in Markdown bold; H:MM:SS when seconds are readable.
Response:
**1:01:27**
